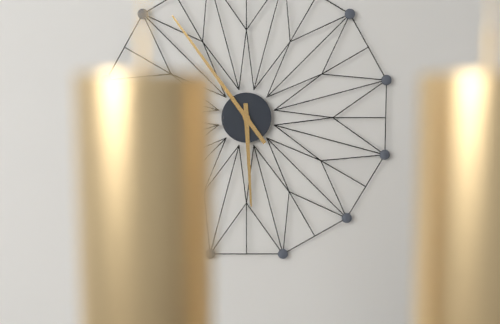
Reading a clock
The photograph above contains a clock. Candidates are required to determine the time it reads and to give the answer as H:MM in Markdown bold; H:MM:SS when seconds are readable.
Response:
**5:54**
